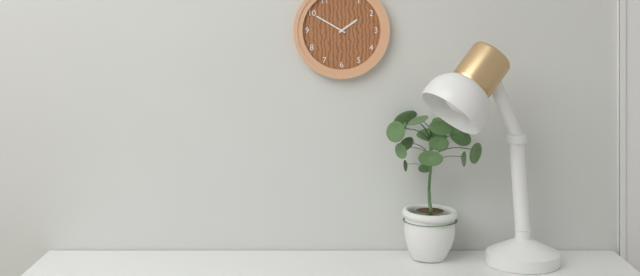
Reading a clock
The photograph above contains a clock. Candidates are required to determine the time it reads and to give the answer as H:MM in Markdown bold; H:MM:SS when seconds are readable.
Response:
**1:50**
